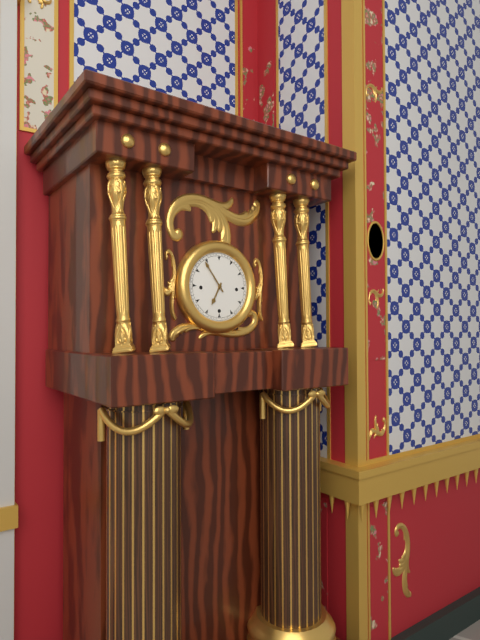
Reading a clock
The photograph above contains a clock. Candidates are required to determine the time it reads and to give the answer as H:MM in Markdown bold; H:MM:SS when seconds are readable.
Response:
**6:54**
